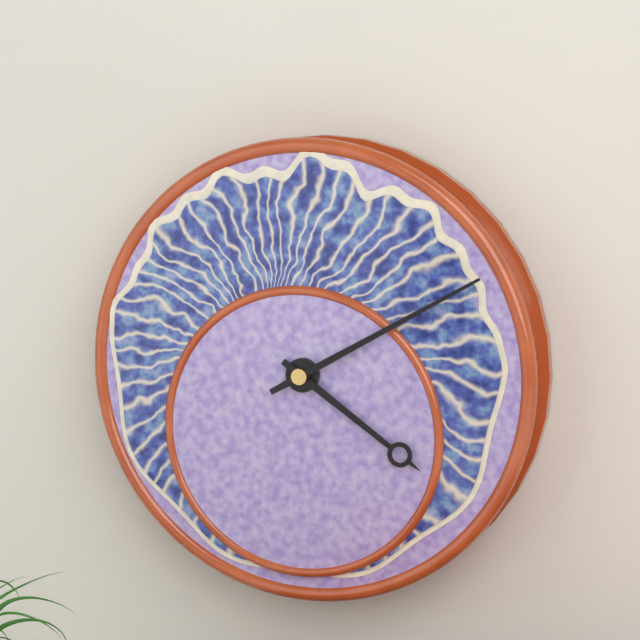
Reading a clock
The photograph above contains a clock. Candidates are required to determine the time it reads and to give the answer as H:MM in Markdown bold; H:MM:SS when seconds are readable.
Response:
**4:10**
